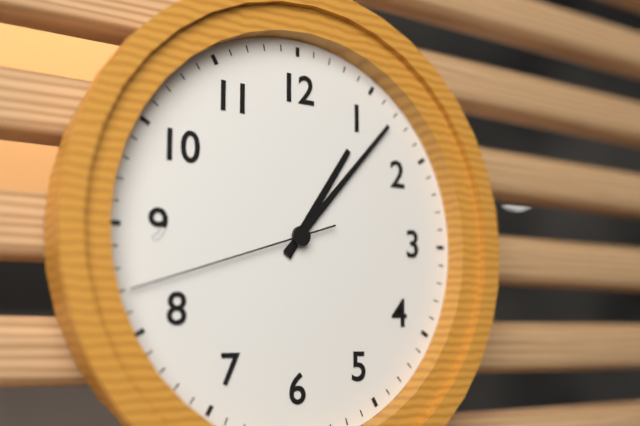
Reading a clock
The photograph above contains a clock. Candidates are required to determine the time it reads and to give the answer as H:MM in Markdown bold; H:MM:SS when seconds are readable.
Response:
**1:07:42**
